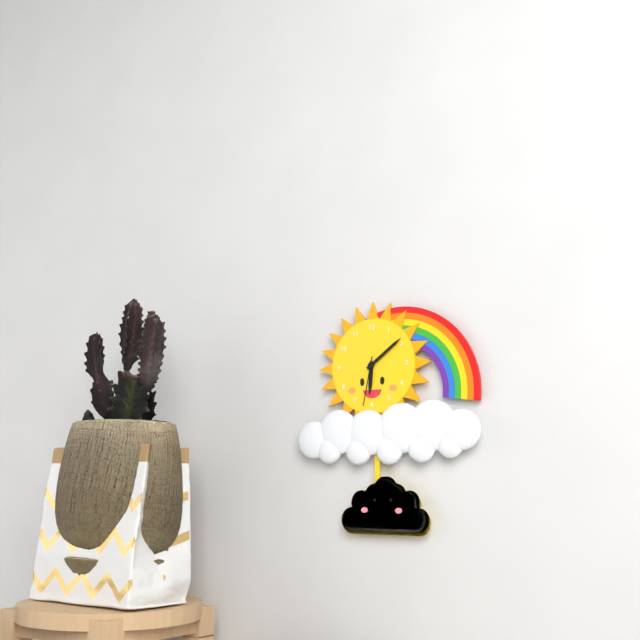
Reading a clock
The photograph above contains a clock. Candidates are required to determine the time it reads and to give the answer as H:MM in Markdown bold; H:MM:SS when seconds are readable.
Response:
**6:09:32**
